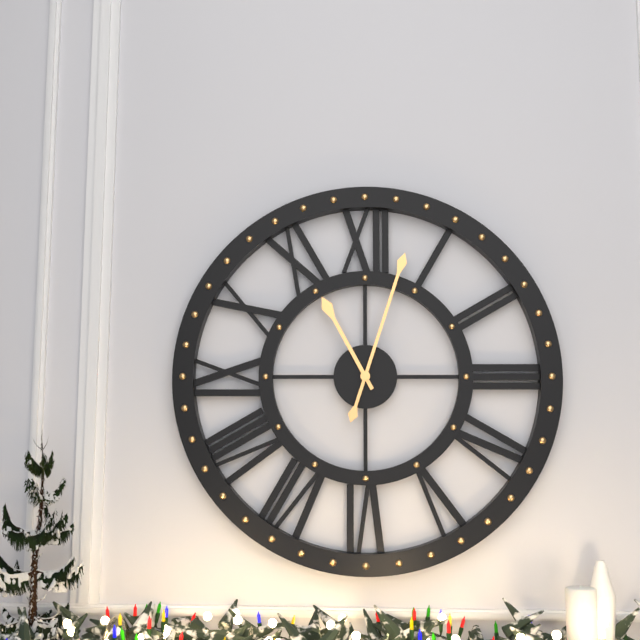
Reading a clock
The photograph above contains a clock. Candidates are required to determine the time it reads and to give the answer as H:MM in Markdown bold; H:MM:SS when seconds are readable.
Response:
**11:03**
